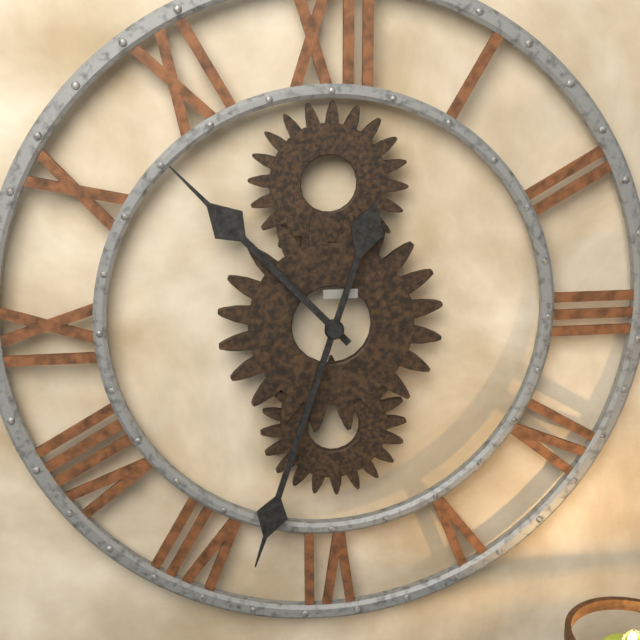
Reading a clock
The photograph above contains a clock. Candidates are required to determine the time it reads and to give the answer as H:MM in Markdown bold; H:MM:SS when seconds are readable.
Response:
**10:33**
